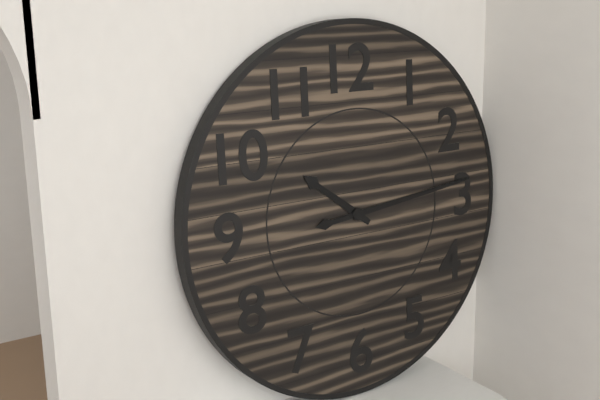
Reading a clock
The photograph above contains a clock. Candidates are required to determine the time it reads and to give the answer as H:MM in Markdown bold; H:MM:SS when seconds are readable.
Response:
**10:14**
